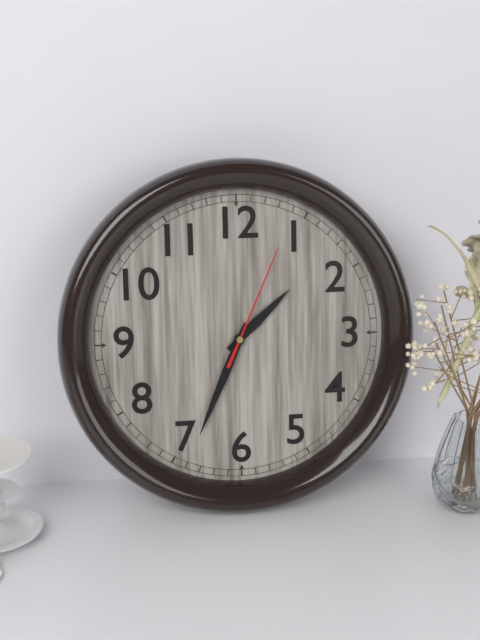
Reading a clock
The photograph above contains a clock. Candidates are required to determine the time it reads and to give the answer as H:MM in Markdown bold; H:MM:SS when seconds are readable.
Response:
**1:34:04**
